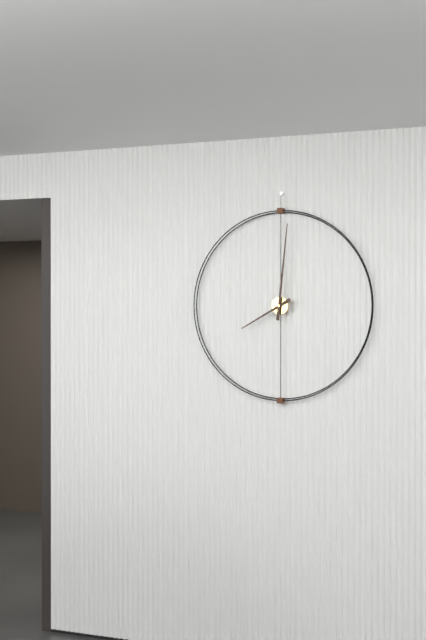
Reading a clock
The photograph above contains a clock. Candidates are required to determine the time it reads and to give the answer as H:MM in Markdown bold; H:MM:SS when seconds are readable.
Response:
**8:01**
